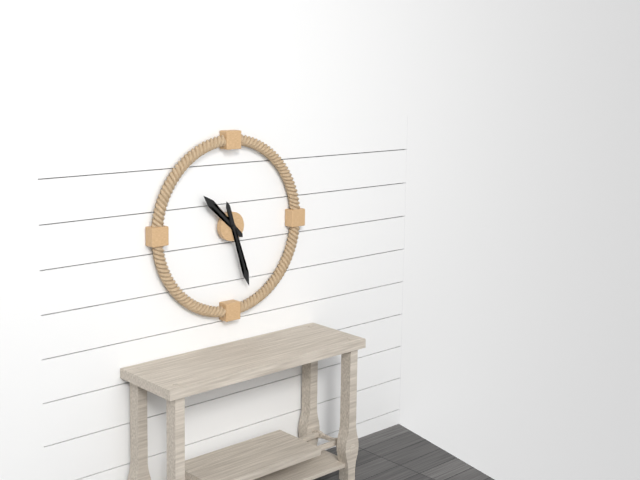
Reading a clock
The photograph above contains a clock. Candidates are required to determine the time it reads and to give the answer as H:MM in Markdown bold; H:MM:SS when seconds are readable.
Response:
**10:27**
